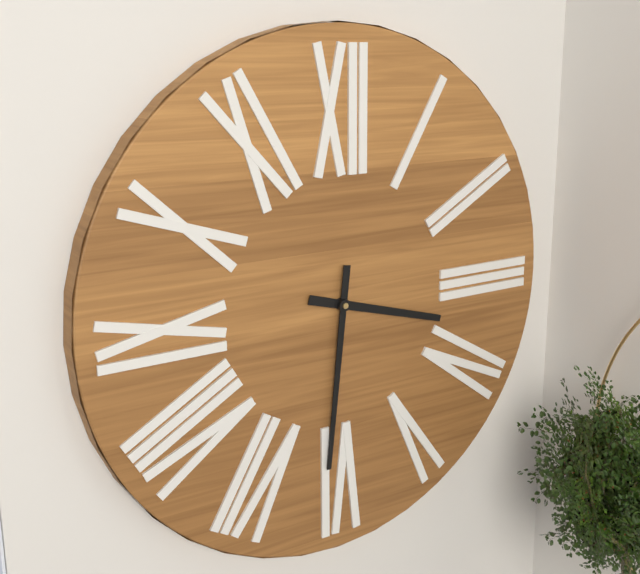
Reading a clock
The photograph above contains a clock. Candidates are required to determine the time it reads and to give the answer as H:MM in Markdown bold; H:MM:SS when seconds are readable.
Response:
**3:31**
